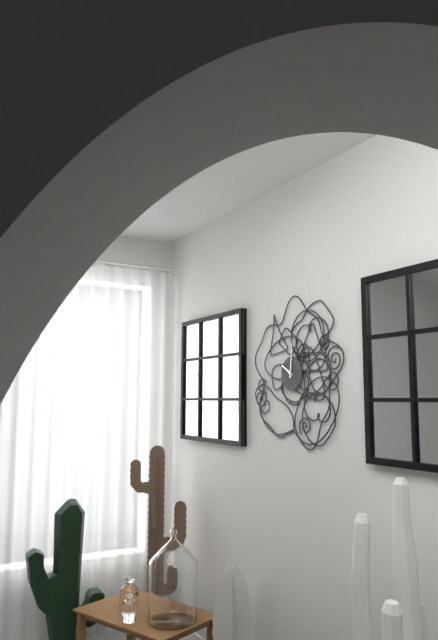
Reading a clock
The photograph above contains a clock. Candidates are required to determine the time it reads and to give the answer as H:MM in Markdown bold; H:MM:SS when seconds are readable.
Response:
**10:01**
